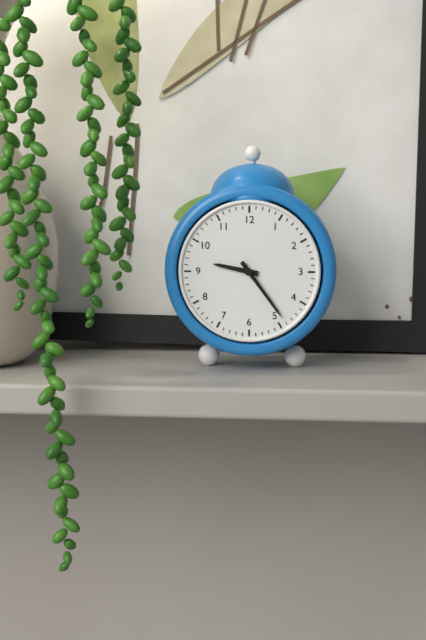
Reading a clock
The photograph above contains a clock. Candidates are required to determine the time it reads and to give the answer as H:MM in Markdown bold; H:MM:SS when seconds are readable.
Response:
**9:24**
